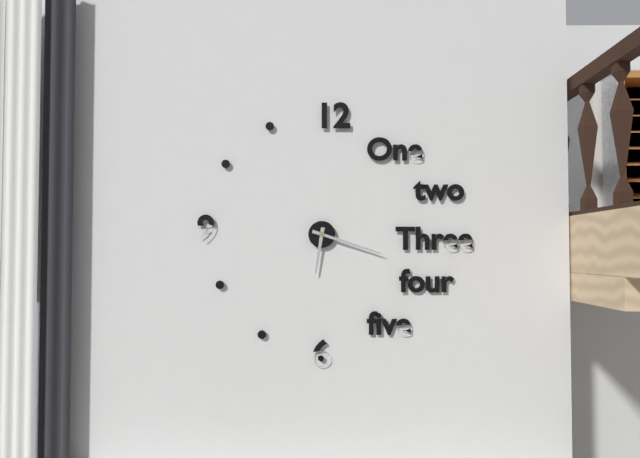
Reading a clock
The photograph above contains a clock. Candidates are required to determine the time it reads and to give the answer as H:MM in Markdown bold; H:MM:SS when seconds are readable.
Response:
**6:18**
